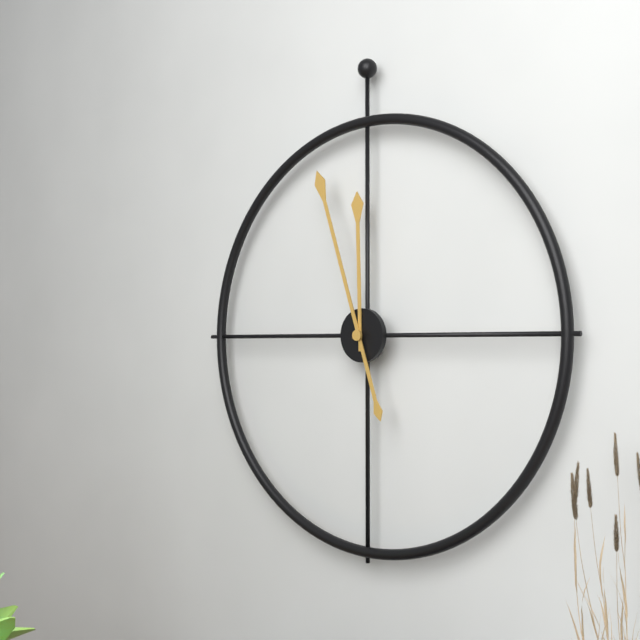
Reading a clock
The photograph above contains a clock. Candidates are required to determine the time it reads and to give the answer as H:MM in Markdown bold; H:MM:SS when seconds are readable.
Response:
**11:57**
